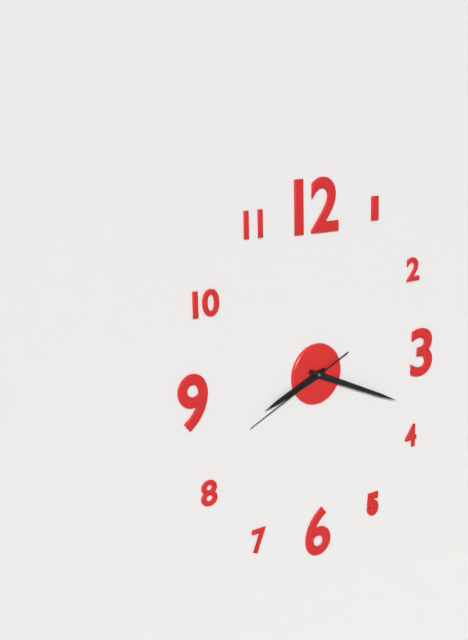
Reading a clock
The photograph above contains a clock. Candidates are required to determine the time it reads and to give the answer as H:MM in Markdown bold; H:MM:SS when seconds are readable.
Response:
**8:19:41**
